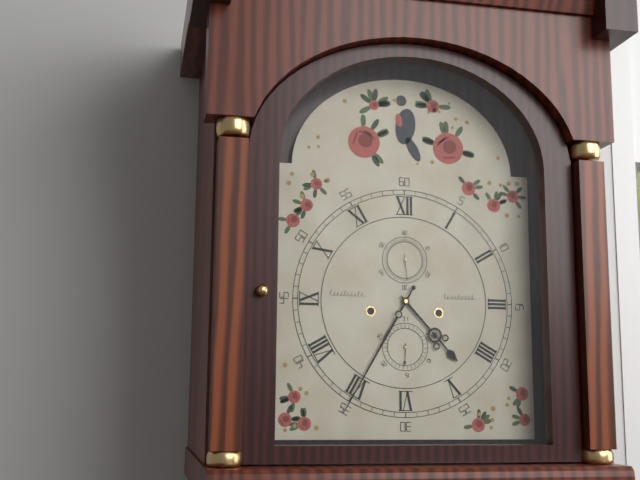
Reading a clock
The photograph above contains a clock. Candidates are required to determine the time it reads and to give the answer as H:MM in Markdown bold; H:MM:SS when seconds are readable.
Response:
**4:35**
